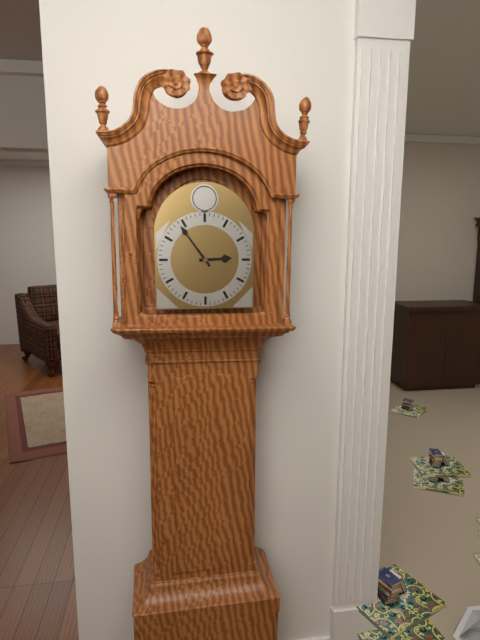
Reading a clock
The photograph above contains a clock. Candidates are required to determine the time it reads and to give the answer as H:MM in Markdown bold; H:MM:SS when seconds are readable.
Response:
**2:54**
